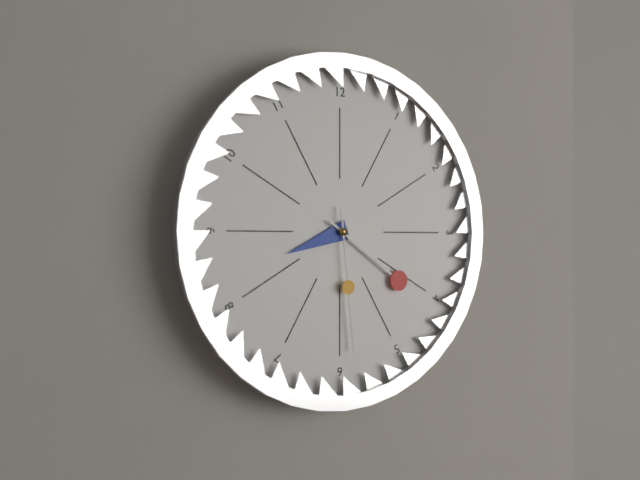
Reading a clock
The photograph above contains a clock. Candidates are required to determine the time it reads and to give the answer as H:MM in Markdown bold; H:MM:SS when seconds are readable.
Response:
**8:21:29**
